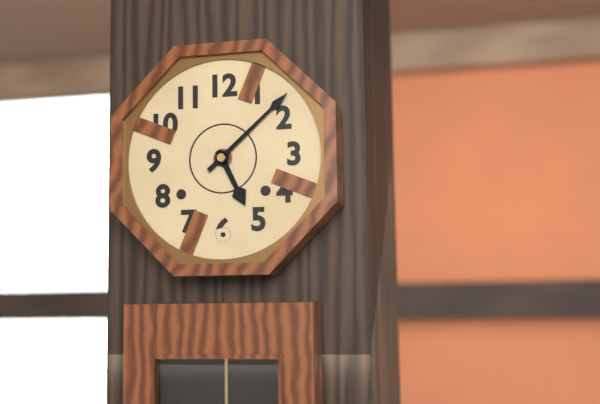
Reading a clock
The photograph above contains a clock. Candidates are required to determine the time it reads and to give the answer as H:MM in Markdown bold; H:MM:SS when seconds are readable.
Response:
**5:08**
